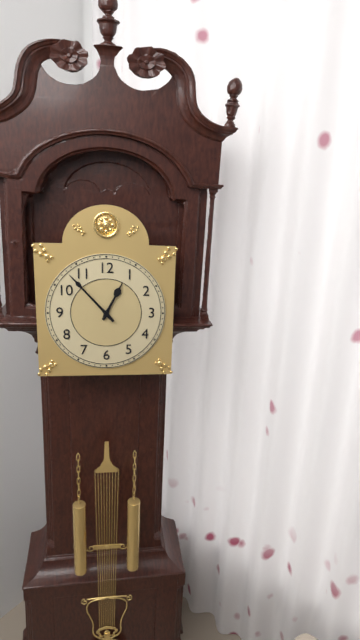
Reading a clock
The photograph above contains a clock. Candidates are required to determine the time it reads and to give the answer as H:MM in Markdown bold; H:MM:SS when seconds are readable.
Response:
**12:53**
